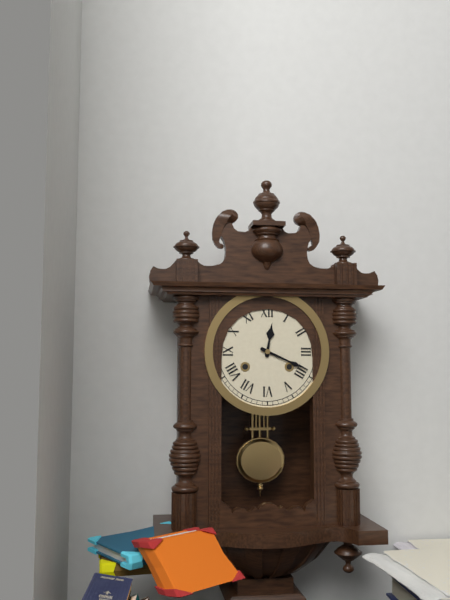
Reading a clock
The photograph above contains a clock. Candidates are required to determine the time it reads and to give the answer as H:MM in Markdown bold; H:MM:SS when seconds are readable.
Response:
**12:19**
